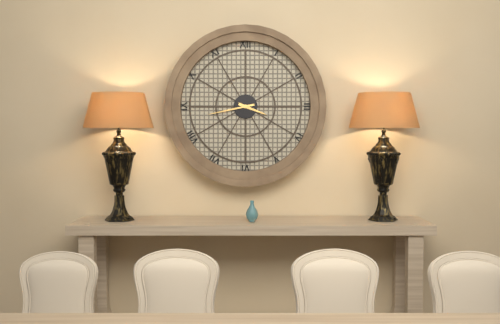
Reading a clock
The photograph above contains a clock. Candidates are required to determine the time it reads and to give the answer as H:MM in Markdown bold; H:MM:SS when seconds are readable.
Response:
**3:43**
